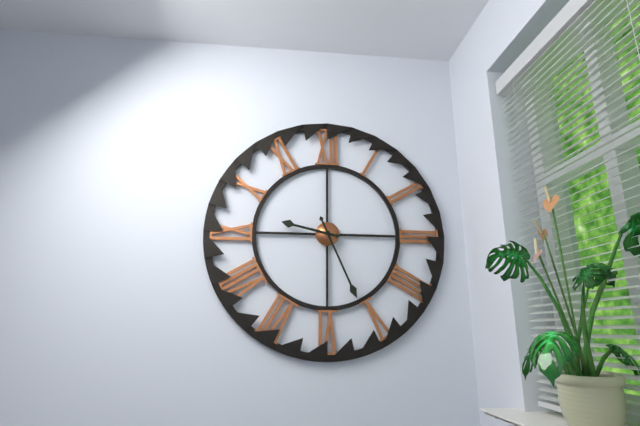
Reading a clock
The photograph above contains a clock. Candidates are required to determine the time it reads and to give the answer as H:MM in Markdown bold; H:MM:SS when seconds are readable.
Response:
**9:26**
